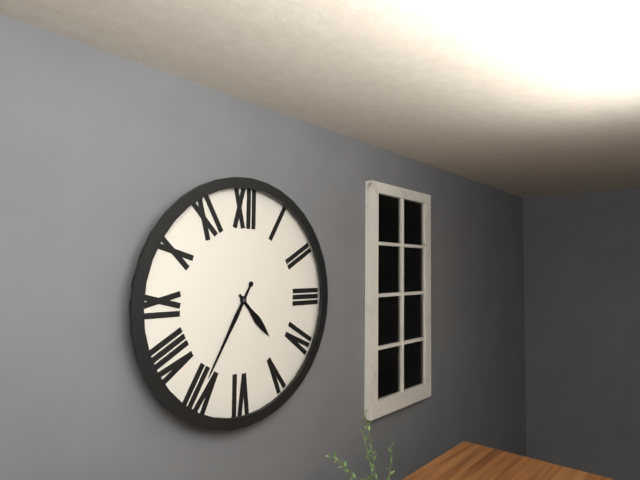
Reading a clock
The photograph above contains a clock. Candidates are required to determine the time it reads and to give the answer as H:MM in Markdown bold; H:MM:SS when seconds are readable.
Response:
**4:35**
